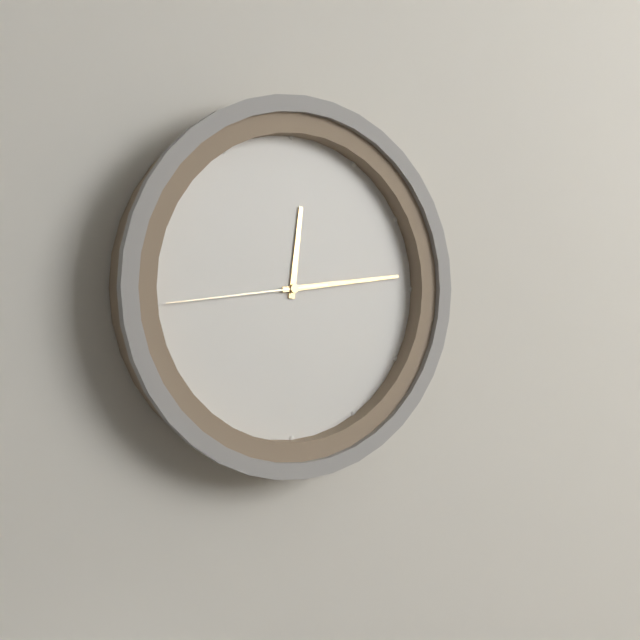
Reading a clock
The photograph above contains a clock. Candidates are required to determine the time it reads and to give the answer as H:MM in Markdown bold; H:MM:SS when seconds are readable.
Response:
**12:14:44**
